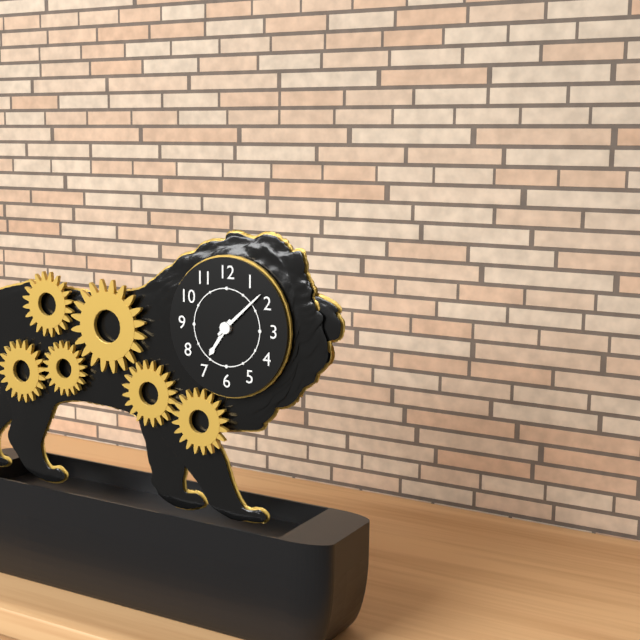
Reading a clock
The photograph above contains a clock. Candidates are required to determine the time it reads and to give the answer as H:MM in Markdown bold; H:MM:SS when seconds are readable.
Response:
**7:08**
